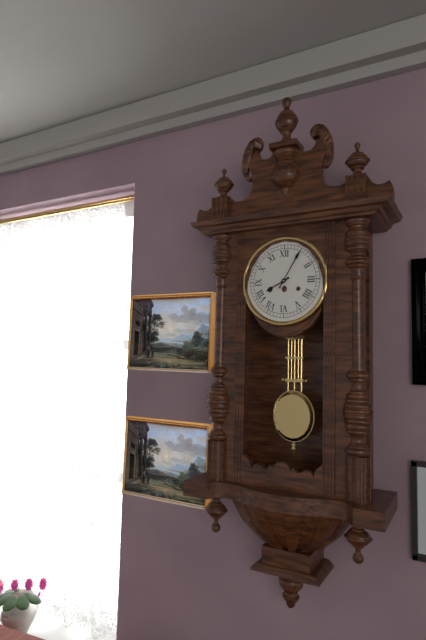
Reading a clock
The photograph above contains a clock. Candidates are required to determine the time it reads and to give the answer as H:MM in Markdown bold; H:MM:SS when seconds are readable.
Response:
**8:05**
